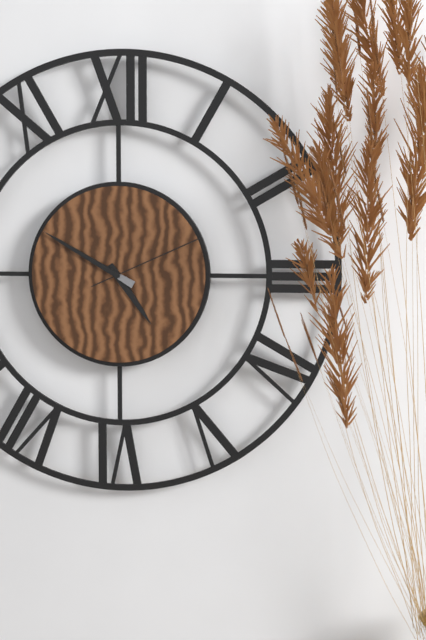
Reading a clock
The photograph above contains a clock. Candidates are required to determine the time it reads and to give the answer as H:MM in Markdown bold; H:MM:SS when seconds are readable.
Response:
**4:50:11**
